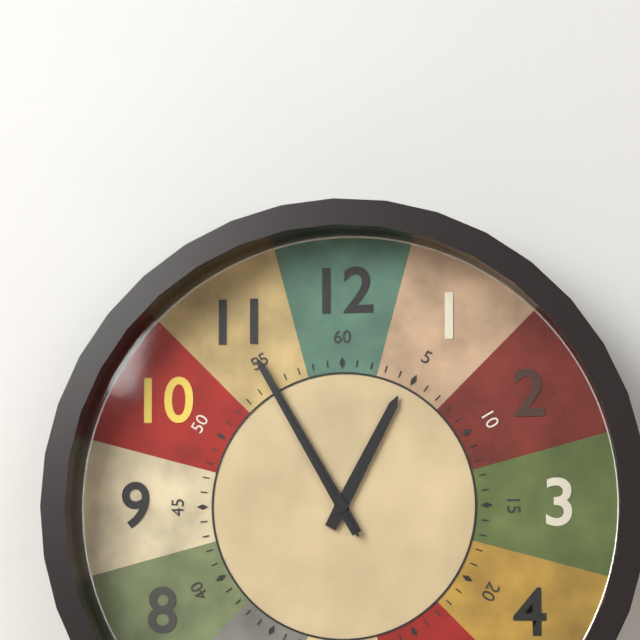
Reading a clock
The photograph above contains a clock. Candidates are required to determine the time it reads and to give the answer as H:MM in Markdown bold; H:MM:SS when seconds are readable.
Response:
**12:55:55**
